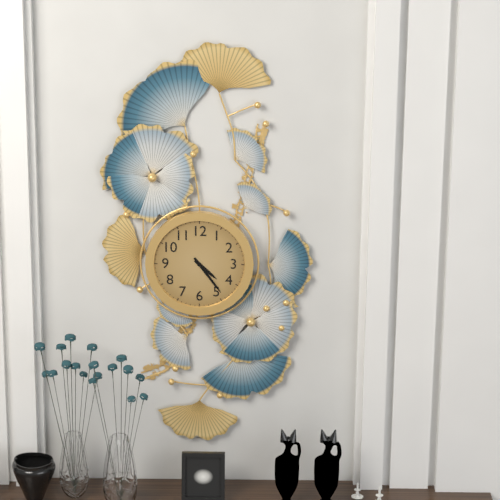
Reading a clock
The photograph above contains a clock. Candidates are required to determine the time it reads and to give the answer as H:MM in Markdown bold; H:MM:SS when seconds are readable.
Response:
**4:24**
